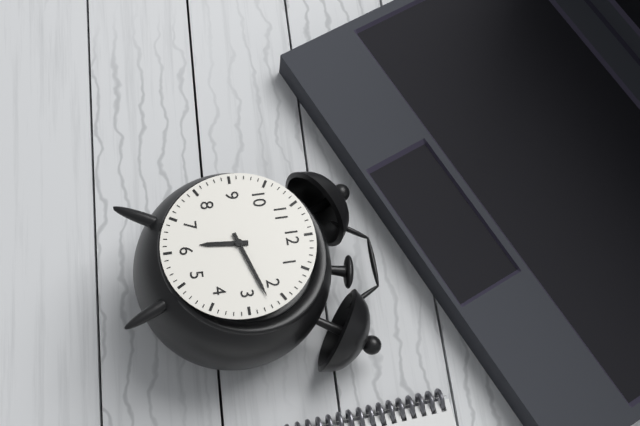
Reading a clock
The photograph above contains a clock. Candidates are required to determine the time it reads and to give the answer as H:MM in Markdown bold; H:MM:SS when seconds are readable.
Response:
**6:12**
